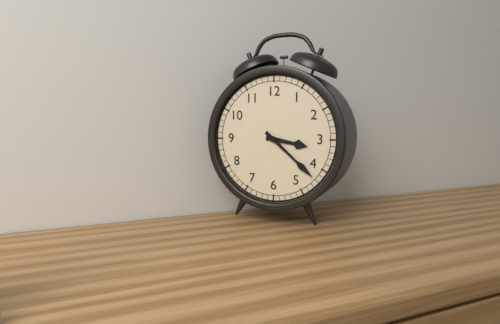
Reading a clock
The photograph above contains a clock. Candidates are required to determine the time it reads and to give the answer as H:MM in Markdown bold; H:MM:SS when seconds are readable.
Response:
**3:22**
